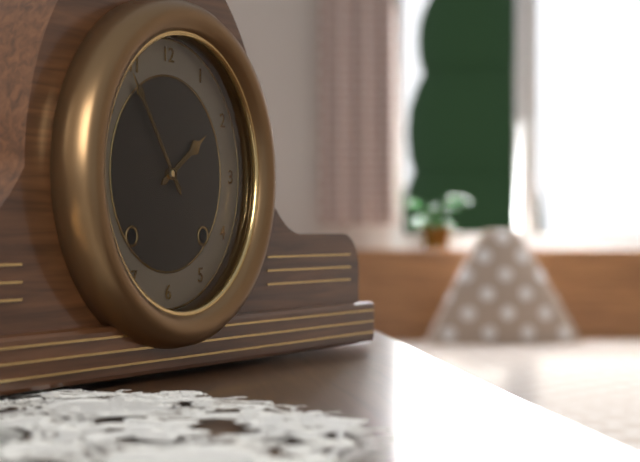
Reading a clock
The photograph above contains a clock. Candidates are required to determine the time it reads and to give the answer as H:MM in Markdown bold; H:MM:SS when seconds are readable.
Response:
**1:54**
